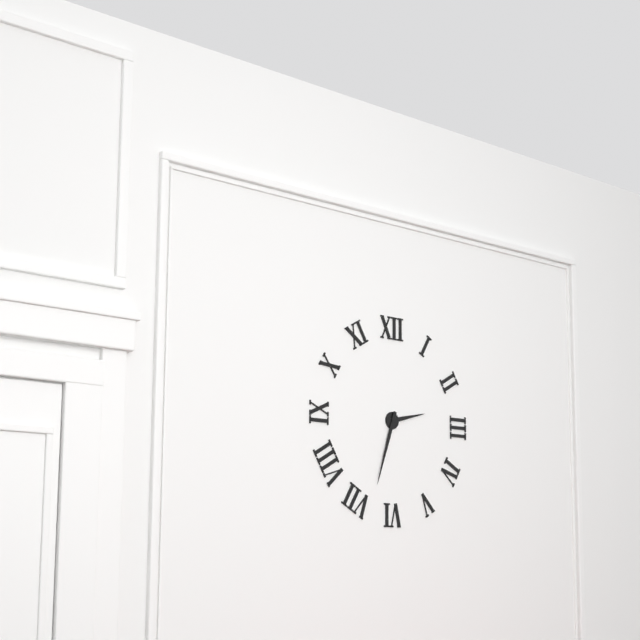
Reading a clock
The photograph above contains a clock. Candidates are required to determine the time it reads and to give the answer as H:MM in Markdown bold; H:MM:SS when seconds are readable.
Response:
**2:33**
